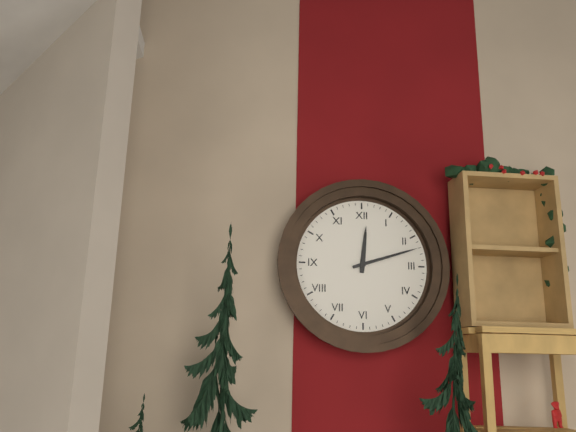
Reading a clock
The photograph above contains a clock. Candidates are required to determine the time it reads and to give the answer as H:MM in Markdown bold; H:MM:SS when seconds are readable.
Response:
**12:12**
